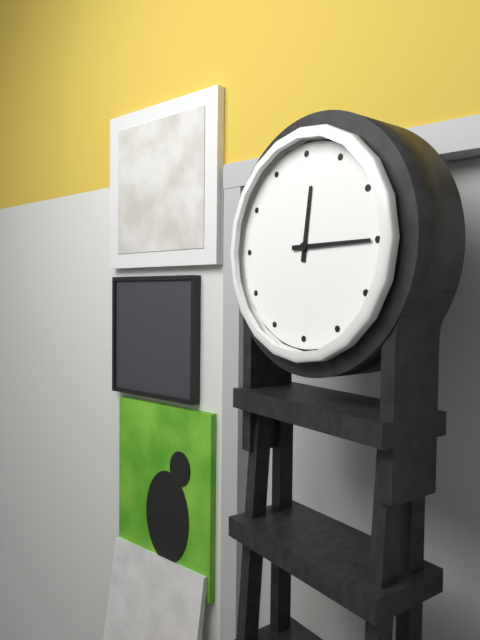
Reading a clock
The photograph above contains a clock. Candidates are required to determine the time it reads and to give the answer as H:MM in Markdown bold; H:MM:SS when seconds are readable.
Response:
**12:15**
